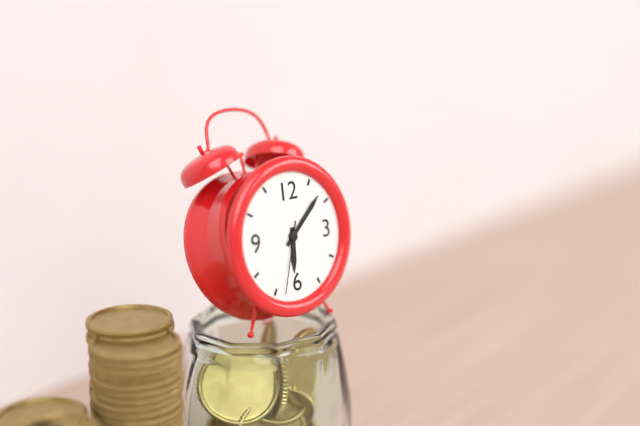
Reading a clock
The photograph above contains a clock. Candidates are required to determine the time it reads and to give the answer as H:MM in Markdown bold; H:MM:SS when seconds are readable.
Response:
**6:08:33**
